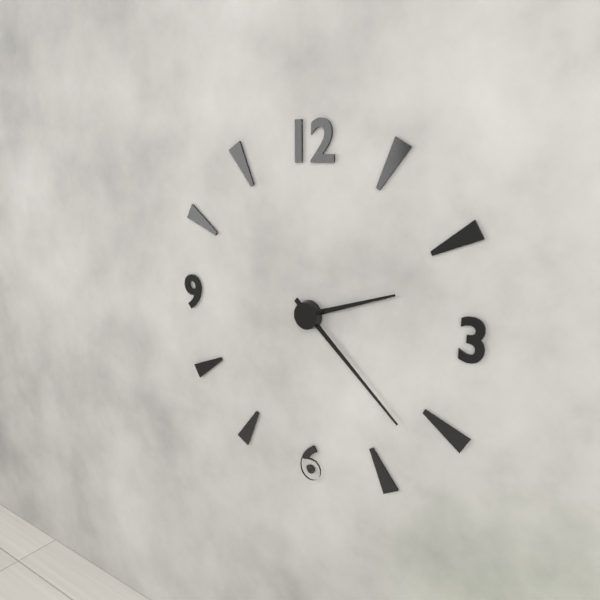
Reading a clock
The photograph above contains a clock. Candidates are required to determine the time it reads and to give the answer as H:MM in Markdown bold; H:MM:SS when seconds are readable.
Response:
**2:22**
